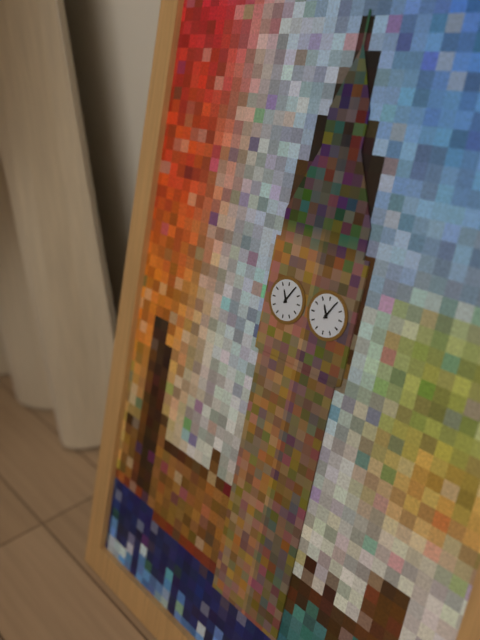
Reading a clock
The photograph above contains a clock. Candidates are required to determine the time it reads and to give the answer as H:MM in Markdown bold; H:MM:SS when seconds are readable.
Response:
**11:05**
